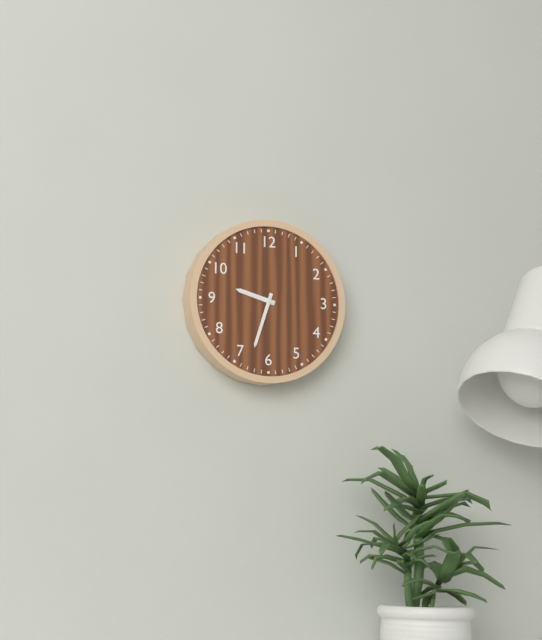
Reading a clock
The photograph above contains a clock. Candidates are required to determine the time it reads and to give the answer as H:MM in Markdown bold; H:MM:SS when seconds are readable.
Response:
**9:33**
